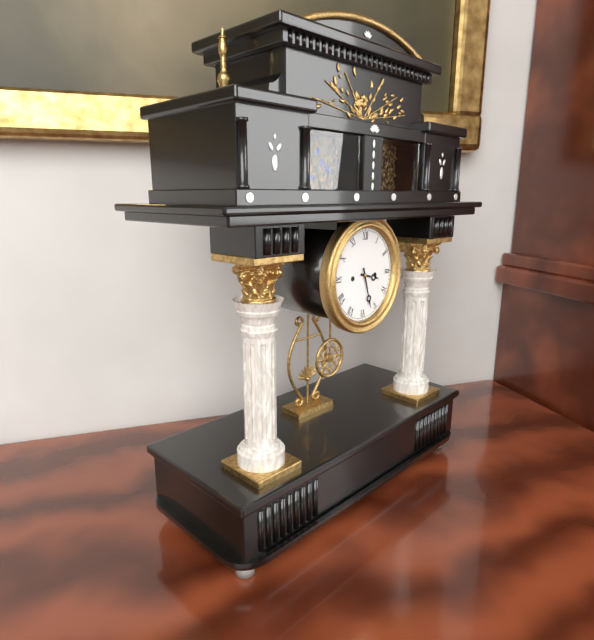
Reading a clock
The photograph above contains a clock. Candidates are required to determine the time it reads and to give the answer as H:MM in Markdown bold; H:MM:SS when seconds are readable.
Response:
**3:27**
